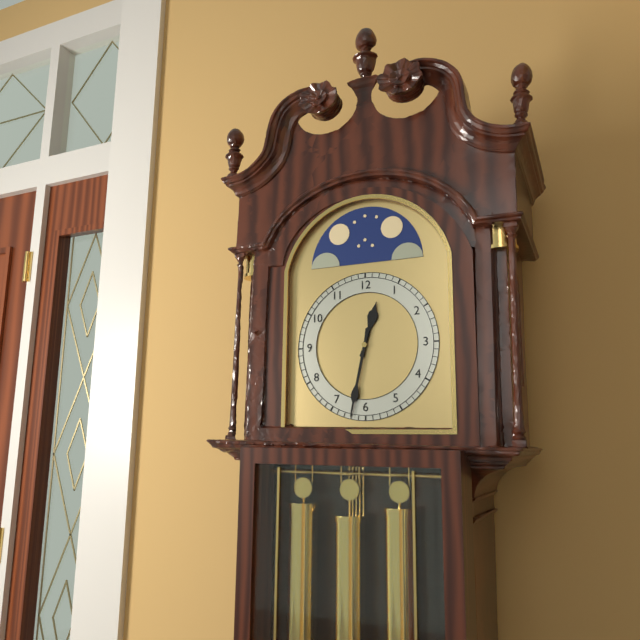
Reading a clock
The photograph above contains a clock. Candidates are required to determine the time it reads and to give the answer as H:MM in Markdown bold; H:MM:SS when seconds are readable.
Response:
**12:32**
